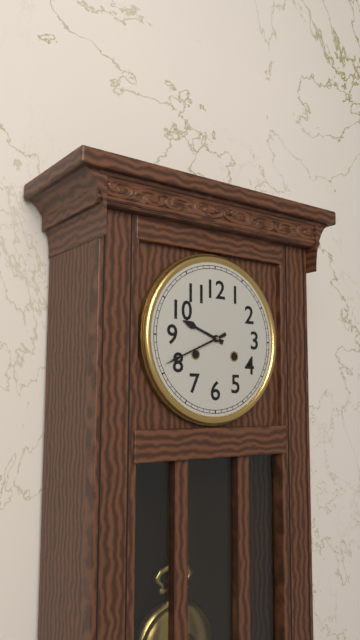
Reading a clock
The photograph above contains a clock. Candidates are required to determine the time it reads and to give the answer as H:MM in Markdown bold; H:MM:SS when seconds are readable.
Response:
**9:41**
